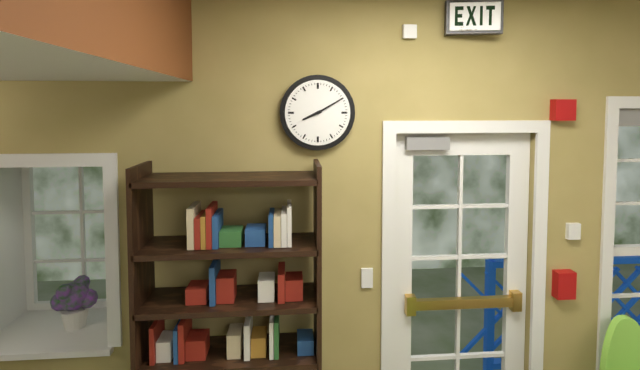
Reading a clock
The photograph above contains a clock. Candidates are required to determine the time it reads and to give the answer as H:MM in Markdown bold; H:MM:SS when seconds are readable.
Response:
**8:10**
